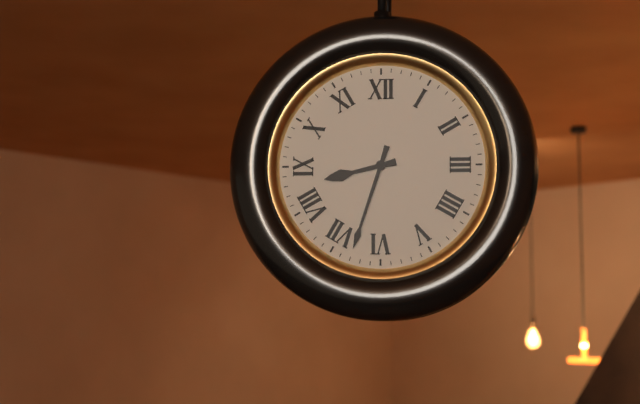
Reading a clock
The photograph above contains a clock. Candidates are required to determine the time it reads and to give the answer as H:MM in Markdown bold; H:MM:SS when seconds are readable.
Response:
**8:33**
